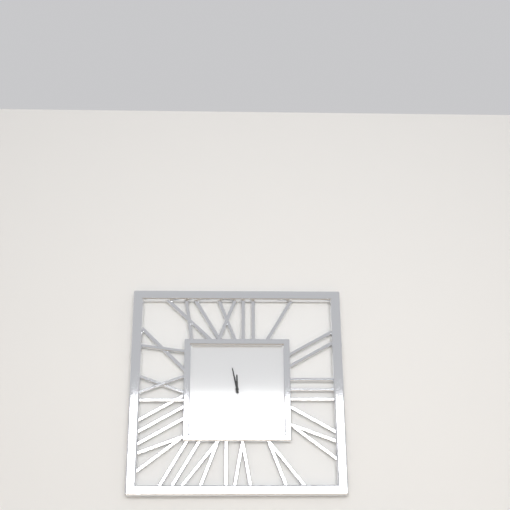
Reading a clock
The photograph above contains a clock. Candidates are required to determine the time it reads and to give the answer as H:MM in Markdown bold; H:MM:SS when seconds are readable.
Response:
**11:58**
